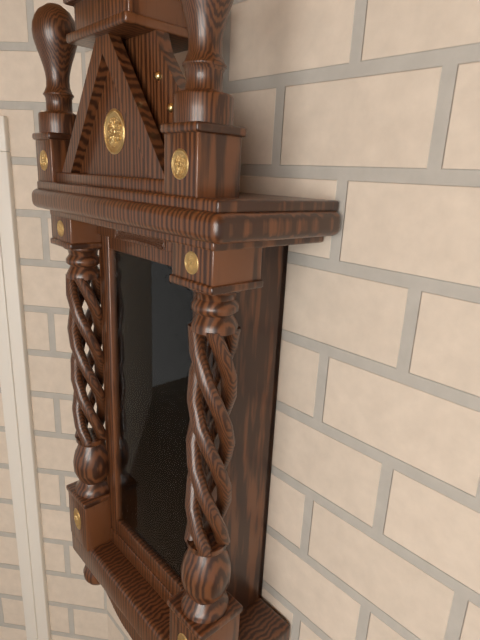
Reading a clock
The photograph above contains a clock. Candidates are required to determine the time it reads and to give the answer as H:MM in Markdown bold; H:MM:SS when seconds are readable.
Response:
**12:35**
